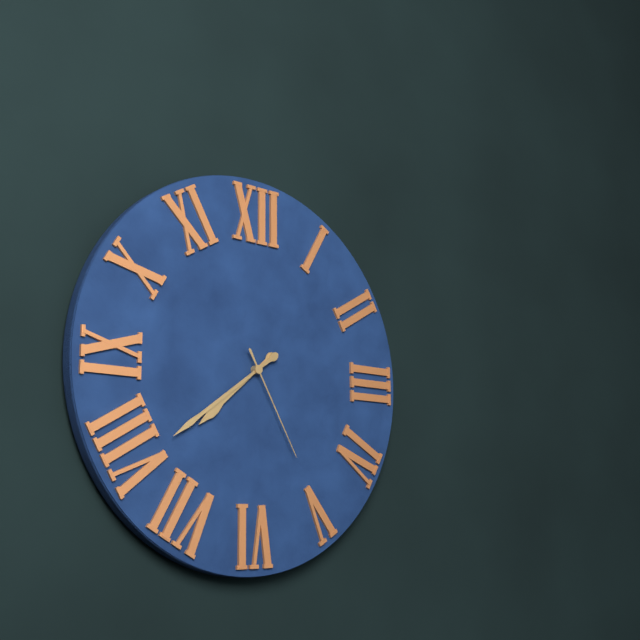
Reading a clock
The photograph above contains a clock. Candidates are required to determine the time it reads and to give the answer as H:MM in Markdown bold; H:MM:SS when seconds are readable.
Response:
**7:39:25**
